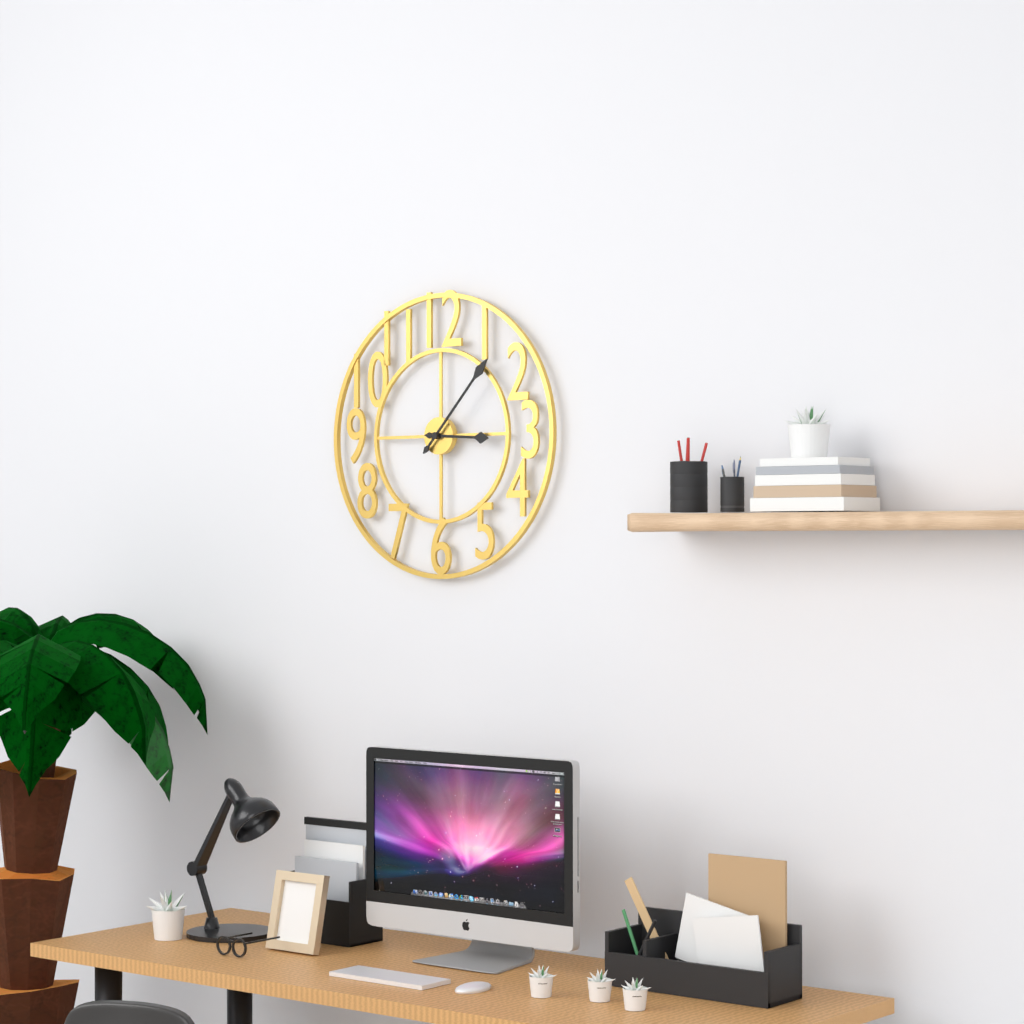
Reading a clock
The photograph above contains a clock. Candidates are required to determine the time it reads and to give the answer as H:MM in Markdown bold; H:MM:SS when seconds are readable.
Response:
**3:07**
